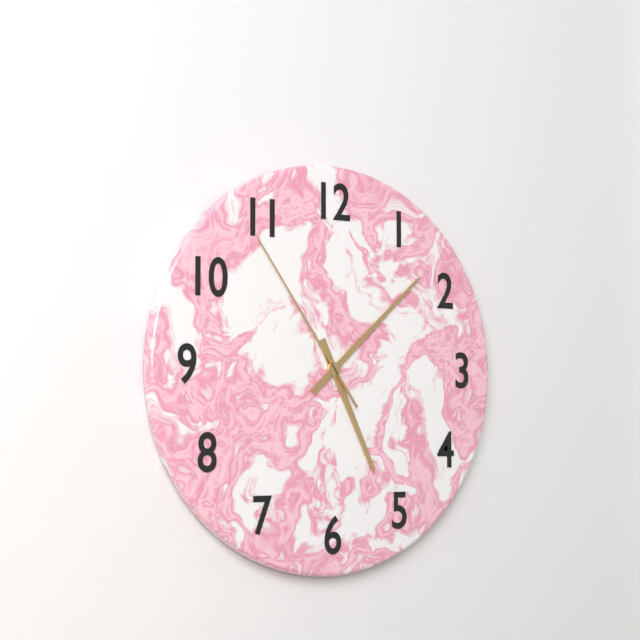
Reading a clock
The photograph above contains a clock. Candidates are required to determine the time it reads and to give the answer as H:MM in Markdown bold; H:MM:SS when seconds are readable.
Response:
**5:08:54**
